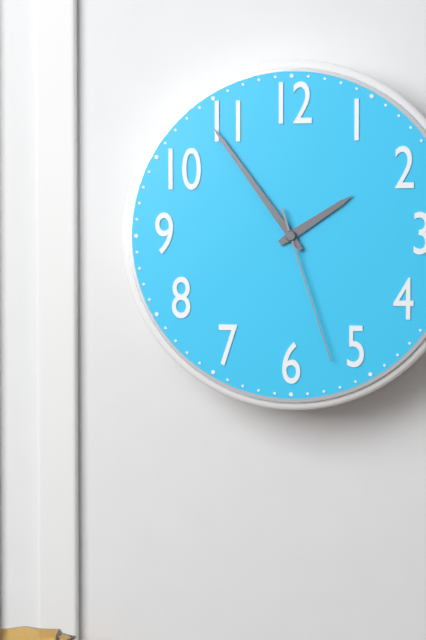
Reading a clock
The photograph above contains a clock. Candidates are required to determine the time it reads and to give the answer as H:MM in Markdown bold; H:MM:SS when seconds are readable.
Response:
**1:54:27**
